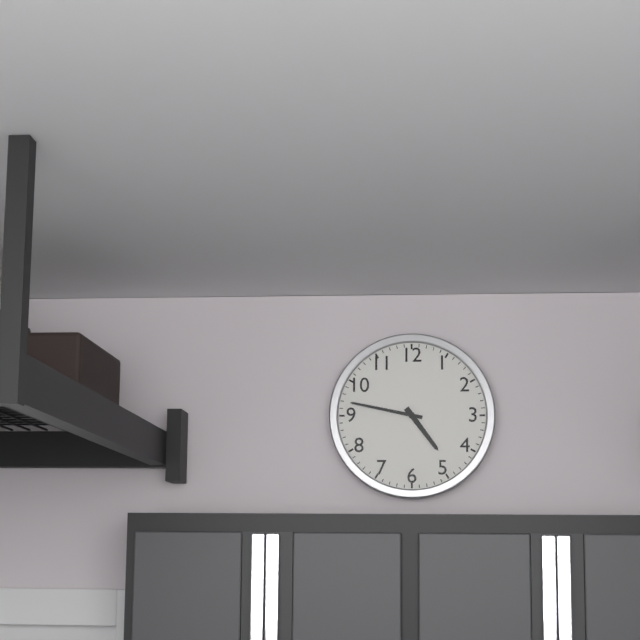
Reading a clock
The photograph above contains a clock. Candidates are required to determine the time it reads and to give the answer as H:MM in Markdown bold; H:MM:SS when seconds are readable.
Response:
**4:47**
